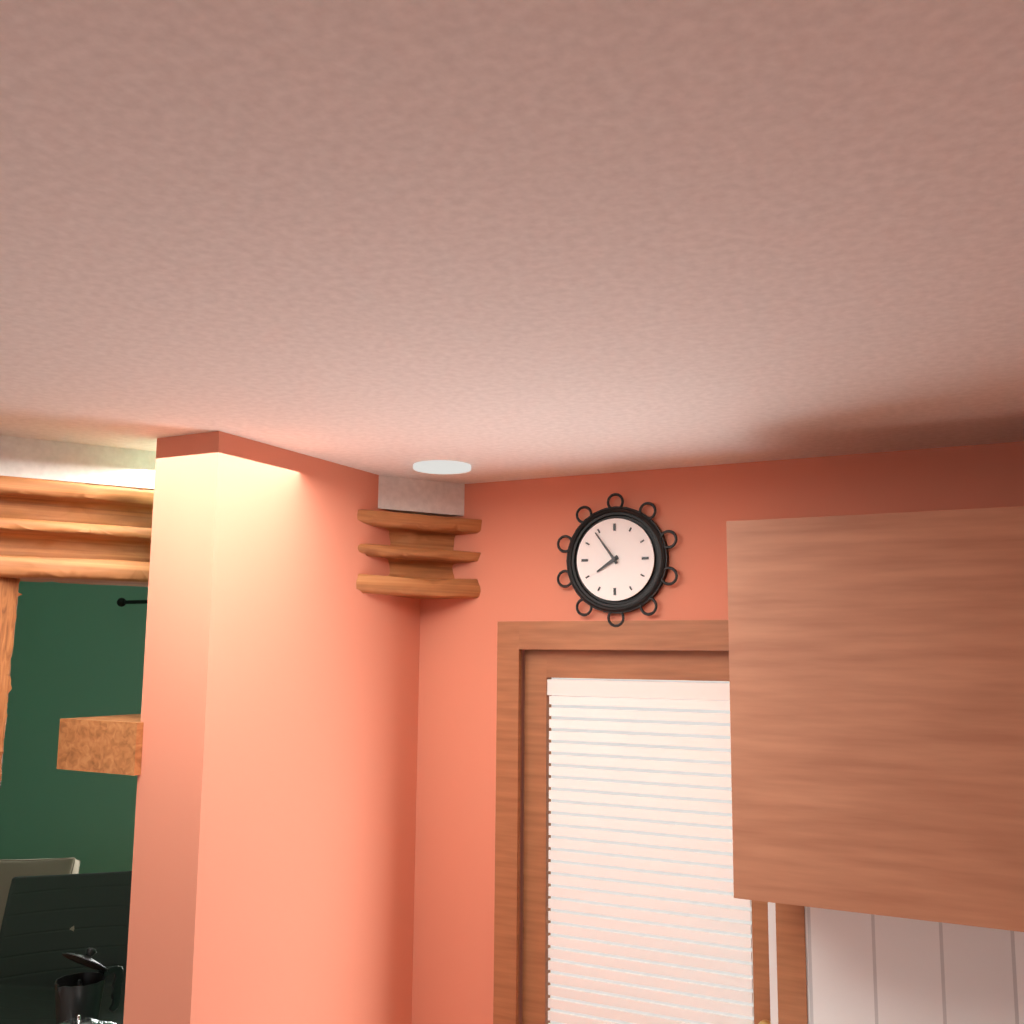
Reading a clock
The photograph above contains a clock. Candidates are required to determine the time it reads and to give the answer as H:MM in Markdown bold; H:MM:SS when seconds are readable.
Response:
**7:54**
